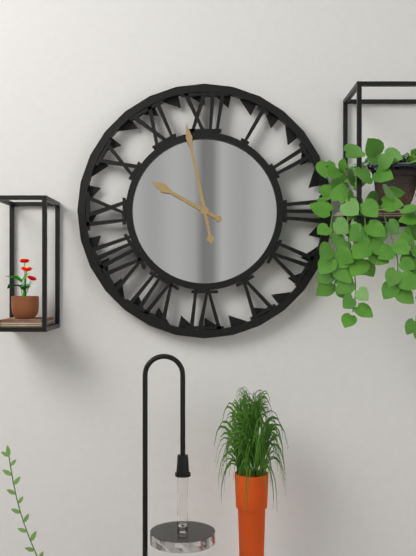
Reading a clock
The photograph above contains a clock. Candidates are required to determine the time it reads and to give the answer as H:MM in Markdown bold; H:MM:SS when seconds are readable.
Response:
**9:58**
